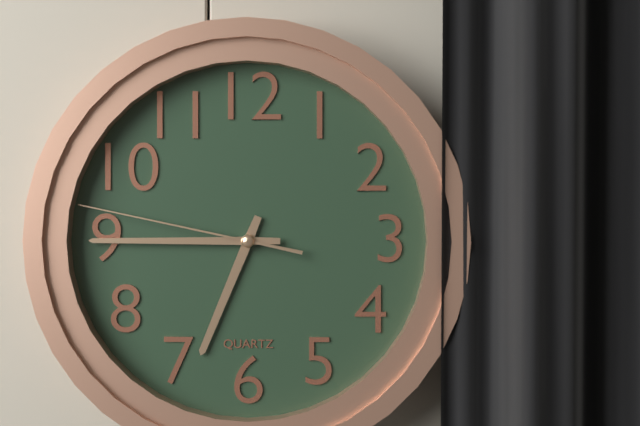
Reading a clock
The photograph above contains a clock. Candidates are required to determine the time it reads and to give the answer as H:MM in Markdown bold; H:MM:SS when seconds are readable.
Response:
**6:45:47**
